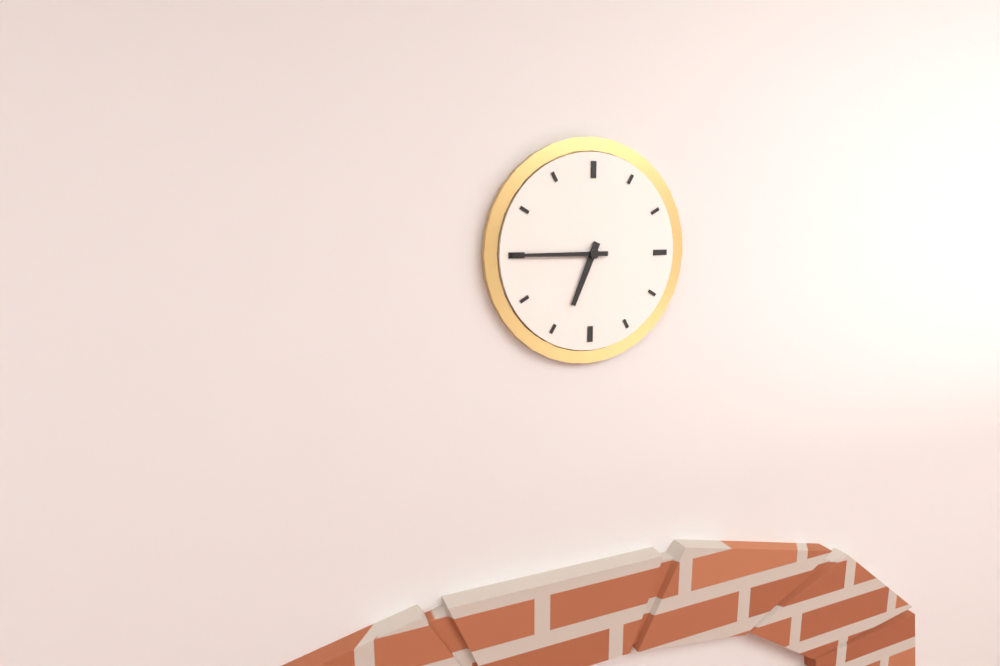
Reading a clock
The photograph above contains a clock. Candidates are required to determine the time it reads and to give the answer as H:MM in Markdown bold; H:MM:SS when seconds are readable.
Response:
**6:45**
